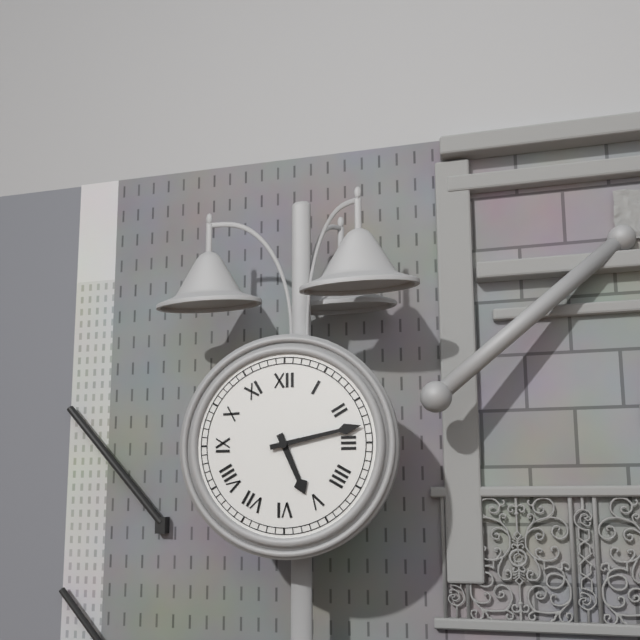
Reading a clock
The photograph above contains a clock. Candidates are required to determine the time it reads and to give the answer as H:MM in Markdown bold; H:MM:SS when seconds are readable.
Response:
**5:13**
